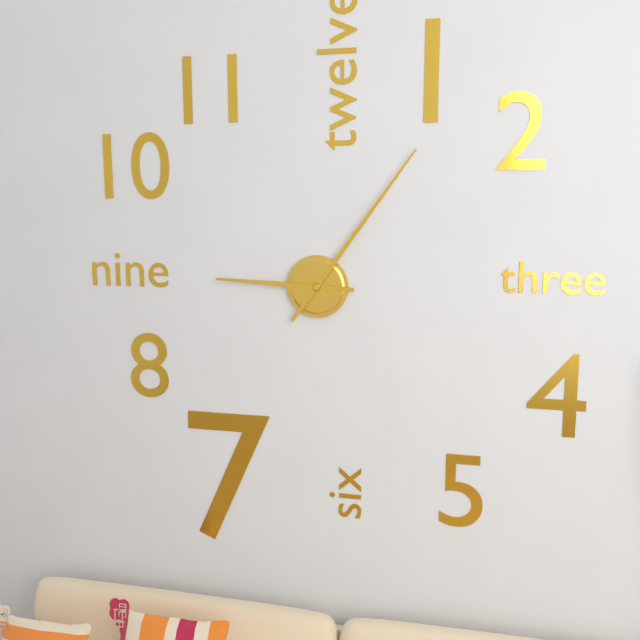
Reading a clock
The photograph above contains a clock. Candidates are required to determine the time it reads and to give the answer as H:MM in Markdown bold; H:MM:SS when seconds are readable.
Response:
**9:06**
